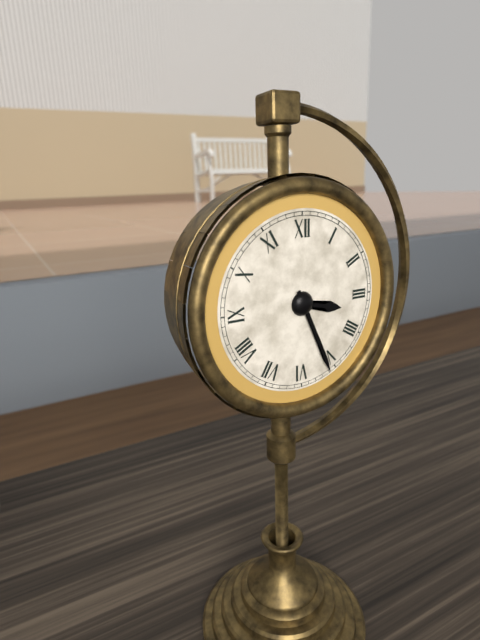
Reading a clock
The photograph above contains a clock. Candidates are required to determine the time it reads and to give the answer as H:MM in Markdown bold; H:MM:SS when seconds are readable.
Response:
**3:26**
